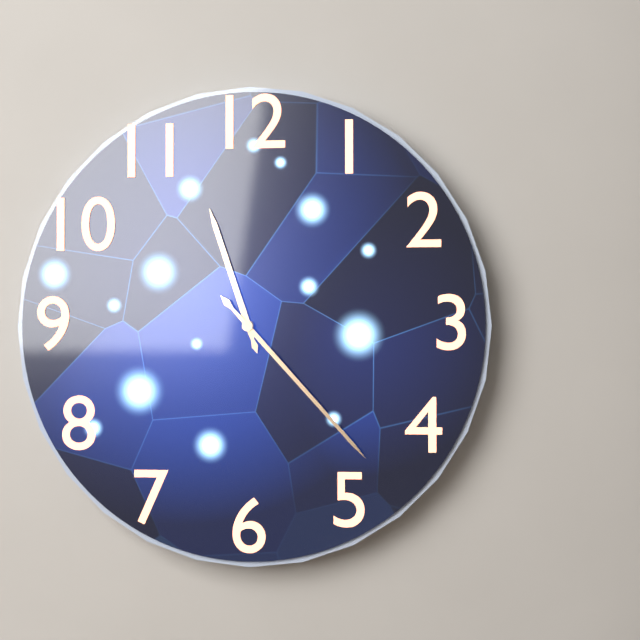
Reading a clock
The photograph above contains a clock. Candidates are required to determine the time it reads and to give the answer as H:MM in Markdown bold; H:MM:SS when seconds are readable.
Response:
**11:23**
